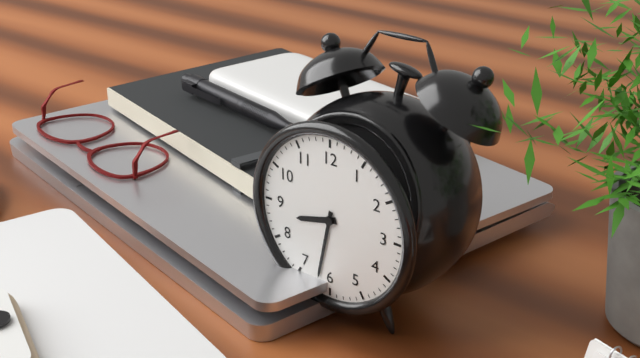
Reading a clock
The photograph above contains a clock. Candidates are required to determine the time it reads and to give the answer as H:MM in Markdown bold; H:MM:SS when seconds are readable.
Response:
**8:32**
